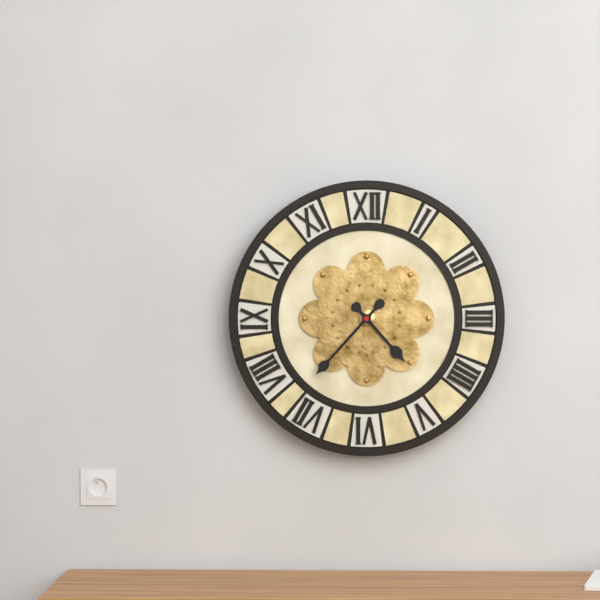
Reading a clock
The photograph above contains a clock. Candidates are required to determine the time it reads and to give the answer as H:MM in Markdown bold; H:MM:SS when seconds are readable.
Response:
**4:37**
